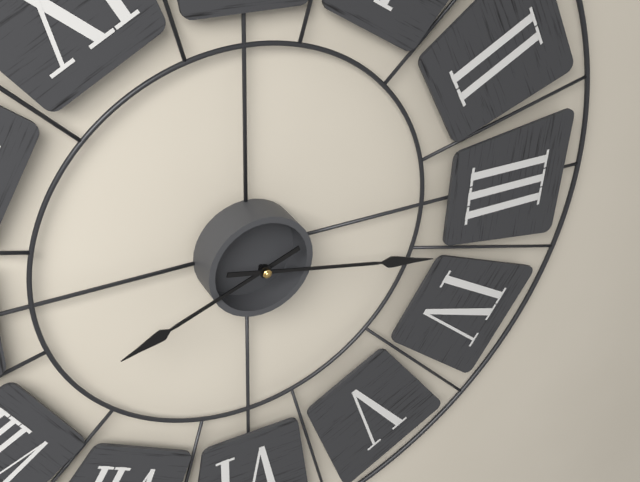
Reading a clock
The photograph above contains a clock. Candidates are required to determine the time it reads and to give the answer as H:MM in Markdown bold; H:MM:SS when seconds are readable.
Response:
**8:17**
